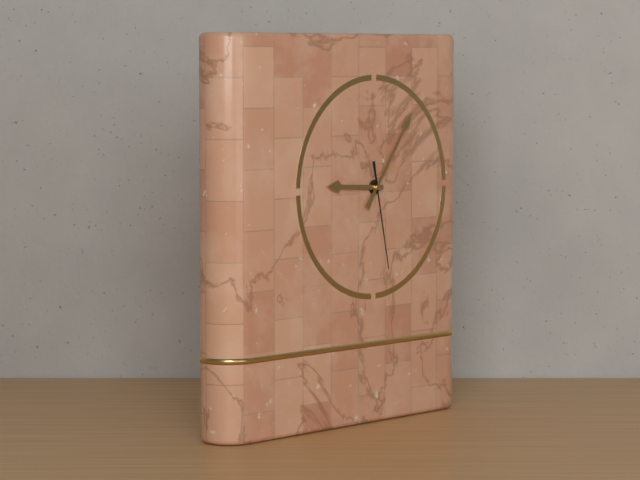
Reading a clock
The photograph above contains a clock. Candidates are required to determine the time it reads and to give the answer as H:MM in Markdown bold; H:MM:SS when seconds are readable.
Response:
**9:06:28**
